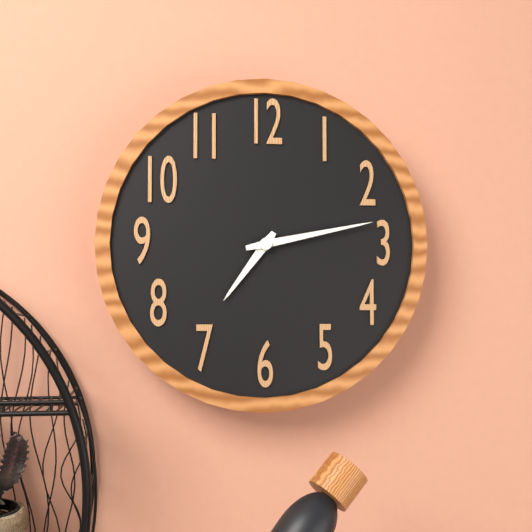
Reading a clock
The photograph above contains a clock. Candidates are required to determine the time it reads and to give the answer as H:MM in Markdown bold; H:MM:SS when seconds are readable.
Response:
**7:13**
